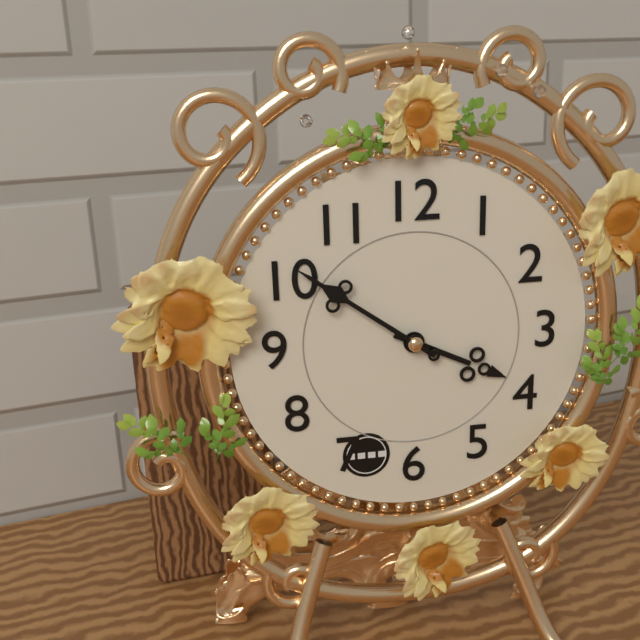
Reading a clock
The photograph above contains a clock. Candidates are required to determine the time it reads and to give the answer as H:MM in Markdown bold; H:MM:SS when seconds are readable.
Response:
**3:51**
